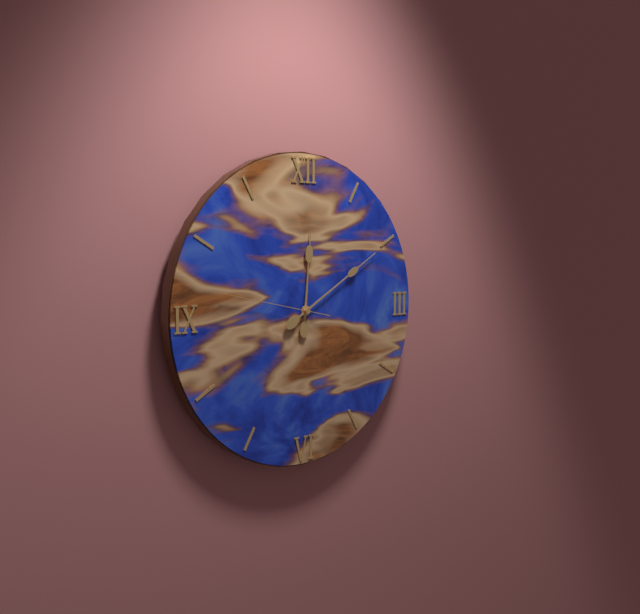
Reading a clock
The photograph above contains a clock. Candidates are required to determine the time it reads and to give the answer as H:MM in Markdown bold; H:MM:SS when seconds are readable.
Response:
**12:10:47**
